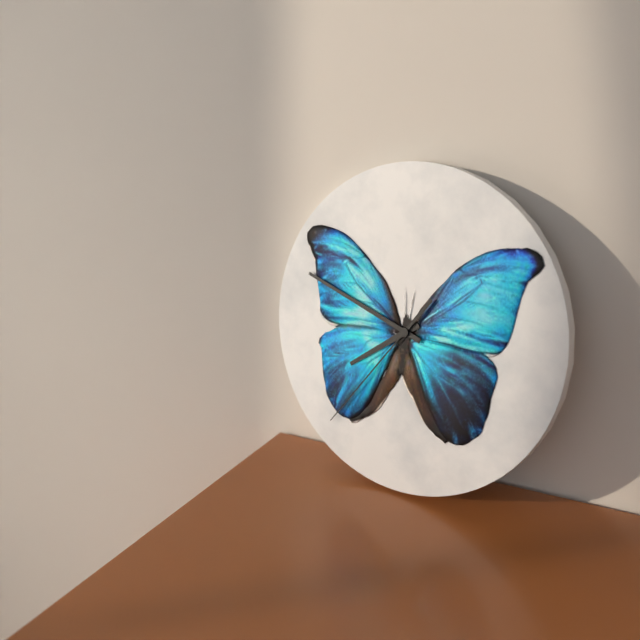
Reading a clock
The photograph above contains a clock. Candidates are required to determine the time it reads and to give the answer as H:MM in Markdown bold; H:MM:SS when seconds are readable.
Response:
**7:48:36**
